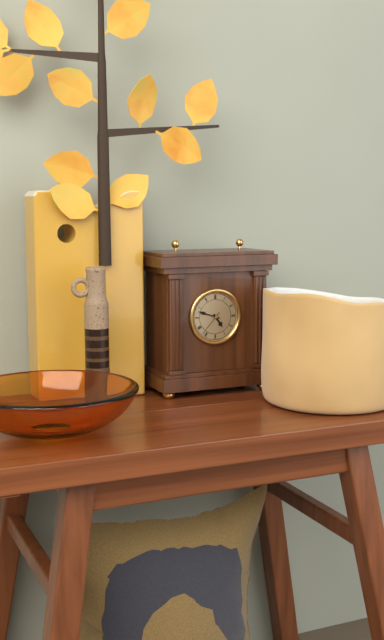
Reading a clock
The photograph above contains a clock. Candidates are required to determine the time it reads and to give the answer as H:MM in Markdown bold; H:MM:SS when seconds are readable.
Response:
**4:48**
